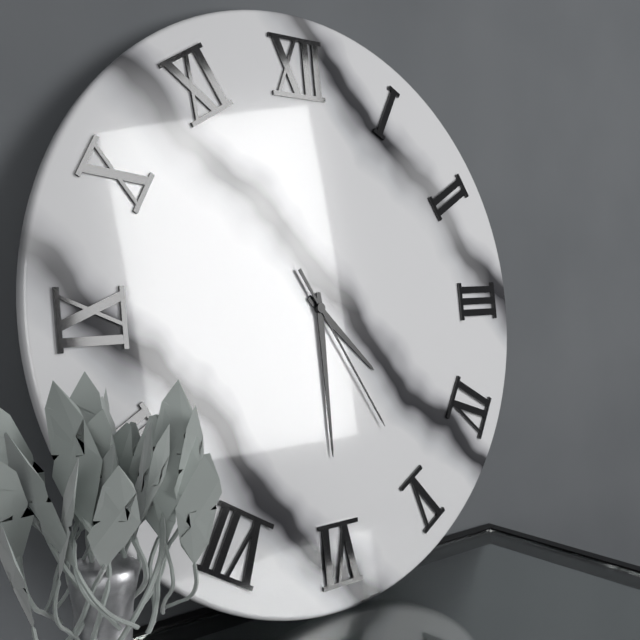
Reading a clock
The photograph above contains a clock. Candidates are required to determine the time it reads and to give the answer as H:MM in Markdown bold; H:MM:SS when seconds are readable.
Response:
**4:30:25**
